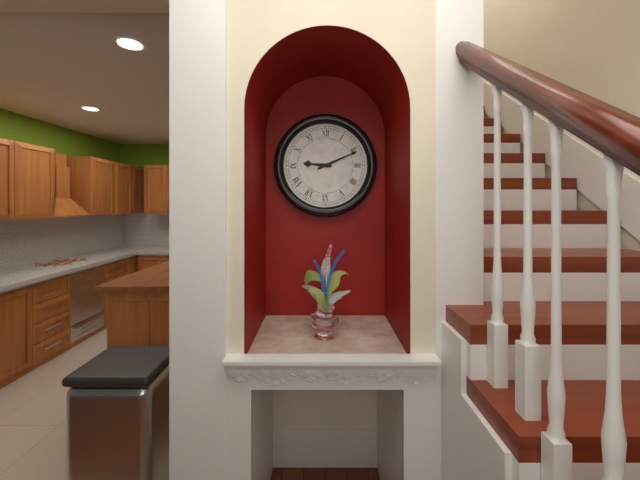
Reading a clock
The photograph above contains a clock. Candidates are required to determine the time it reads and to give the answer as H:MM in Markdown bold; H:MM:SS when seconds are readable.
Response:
**9:11**
